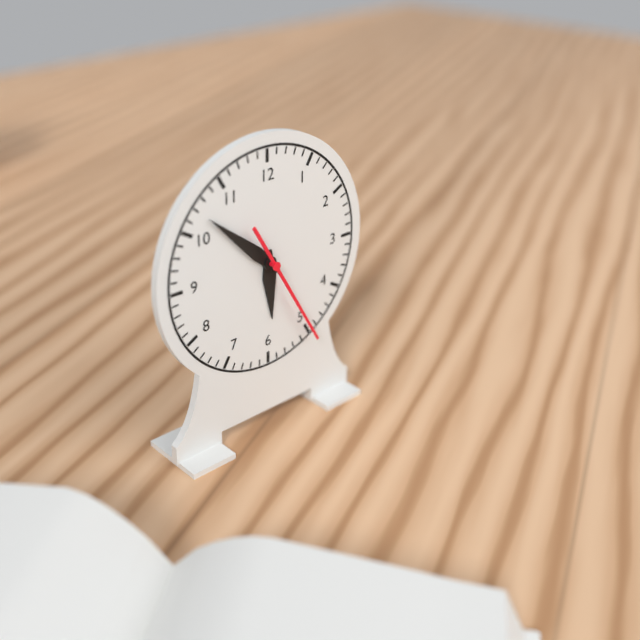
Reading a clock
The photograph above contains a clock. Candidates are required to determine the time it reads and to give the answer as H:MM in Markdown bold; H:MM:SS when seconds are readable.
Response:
**5:52:25**
